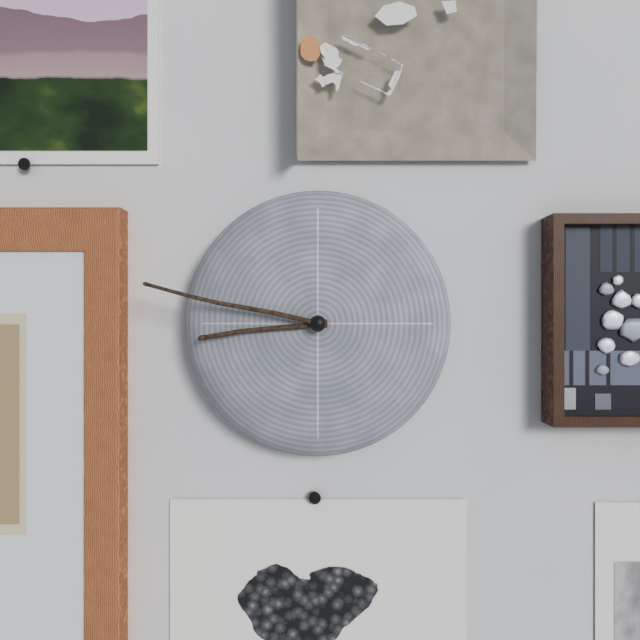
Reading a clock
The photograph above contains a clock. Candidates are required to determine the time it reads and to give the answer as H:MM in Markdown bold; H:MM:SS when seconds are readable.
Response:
**8:47**
